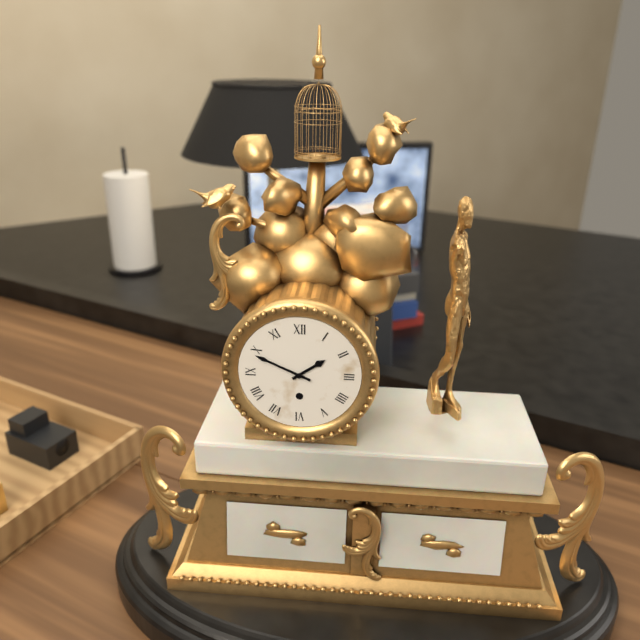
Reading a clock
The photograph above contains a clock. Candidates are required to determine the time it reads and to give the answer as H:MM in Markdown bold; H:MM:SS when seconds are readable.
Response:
**1:49**
